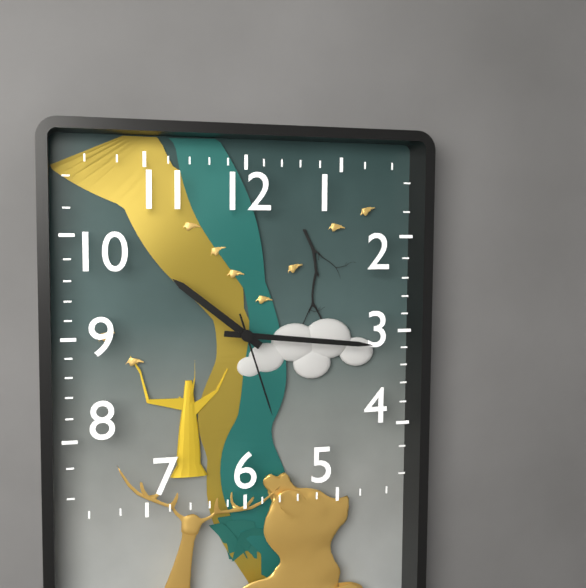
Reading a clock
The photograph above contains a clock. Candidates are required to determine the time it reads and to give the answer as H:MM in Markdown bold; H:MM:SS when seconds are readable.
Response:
**10:16:27**
